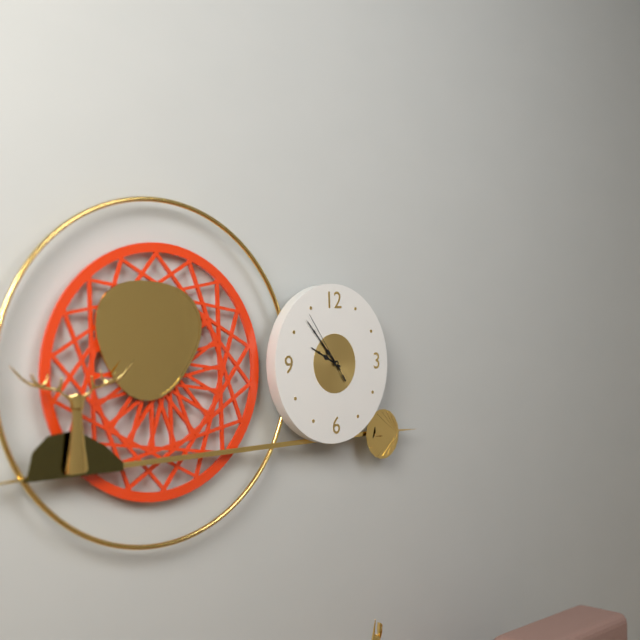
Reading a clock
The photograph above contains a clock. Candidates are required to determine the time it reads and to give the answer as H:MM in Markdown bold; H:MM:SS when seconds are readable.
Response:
**9:53:54**
